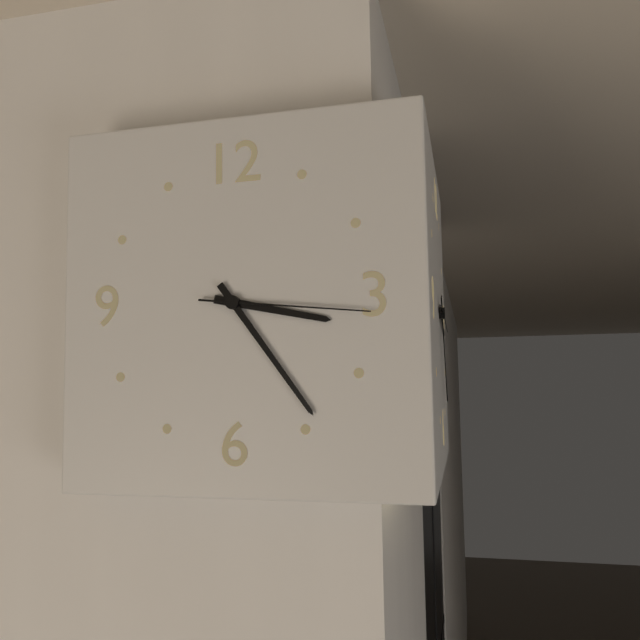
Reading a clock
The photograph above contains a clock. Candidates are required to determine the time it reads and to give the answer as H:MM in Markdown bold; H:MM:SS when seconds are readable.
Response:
**3:24:16**
